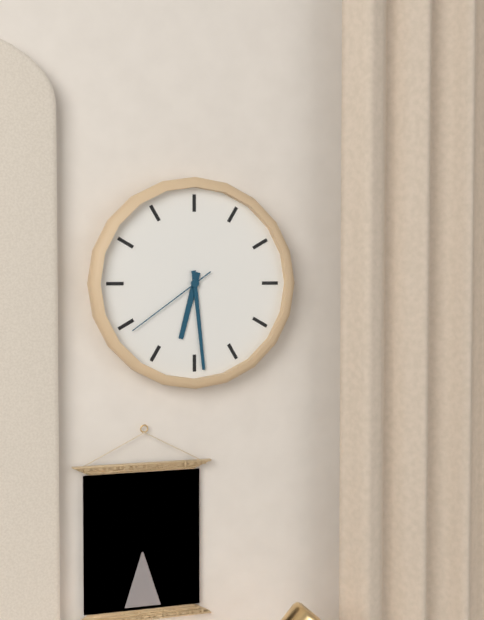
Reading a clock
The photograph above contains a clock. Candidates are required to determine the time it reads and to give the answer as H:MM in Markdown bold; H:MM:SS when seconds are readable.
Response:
**6:29:39**
